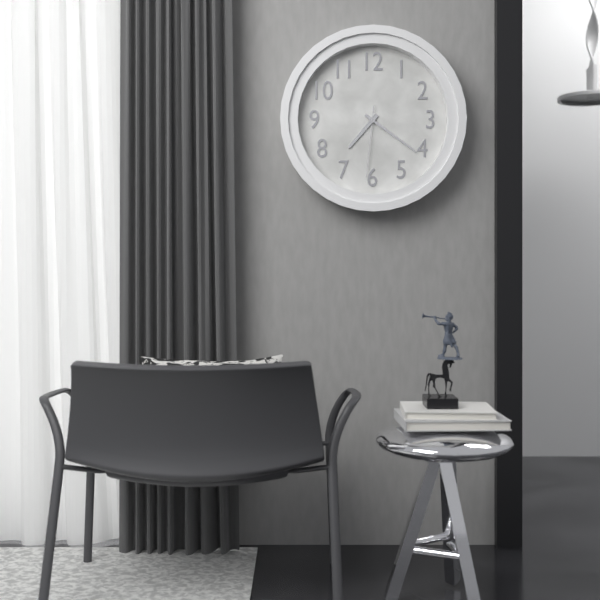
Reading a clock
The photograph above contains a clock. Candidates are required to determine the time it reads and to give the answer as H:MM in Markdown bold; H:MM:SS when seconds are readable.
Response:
**7:21:31**
